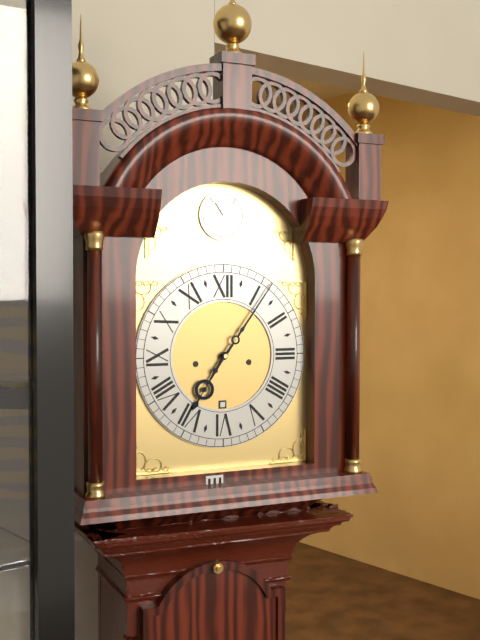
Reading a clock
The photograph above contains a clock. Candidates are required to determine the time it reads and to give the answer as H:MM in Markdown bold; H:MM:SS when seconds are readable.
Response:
**7:06**
